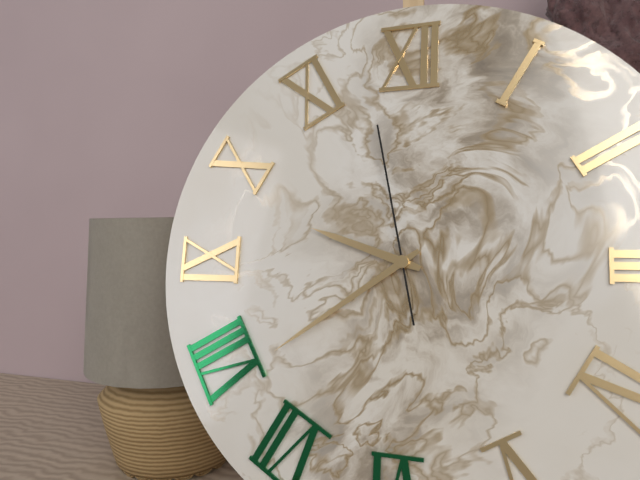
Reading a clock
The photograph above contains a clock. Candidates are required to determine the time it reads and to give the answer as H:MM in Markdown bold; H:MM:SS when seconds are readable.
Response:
**9:39:58**
